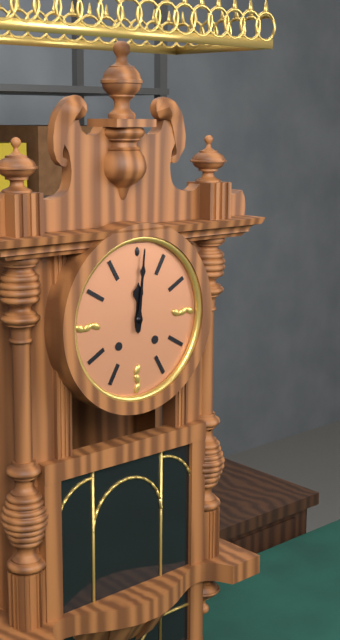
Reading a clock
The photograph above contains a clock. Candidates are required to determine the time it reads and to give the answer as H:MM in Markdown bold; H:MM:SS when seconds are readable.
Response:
**12:01**
